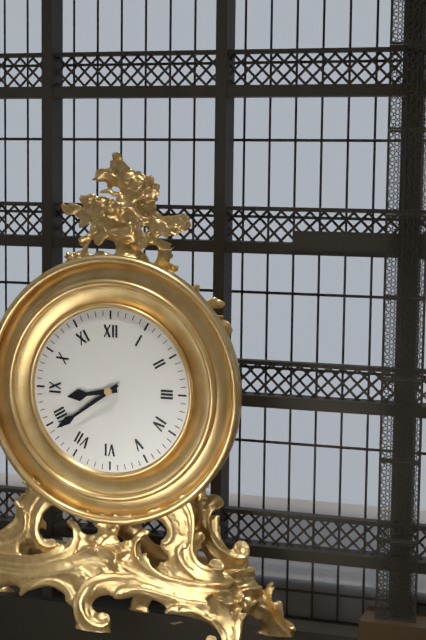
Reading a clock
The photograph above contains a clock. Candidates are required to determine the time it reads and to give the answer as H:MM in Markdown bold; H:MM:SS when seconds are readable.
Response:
**8:39**
